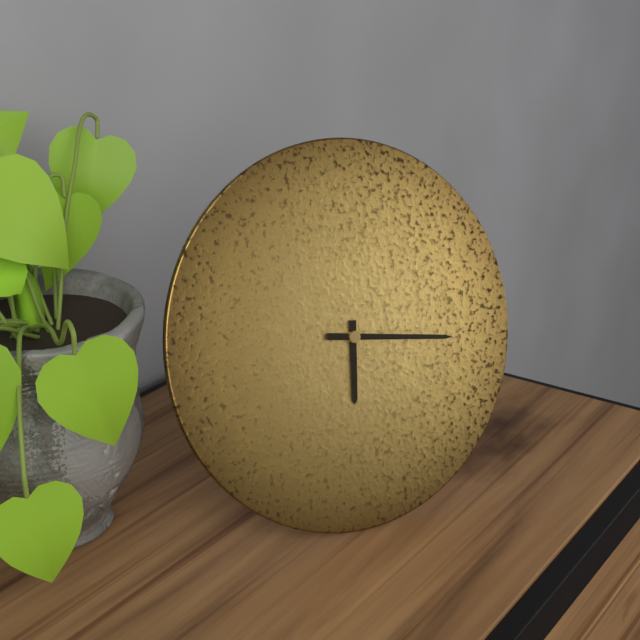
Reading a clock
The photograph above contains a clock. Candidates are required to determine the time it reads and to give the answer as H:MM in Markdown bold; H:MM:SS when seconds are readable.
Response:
**6:17**
